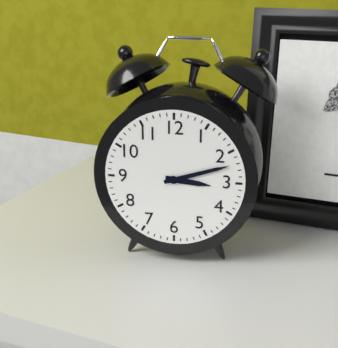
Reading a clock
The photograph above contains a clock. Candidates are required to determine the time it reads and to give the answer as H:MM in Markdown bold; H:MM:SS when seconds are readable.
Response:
**3:12**
